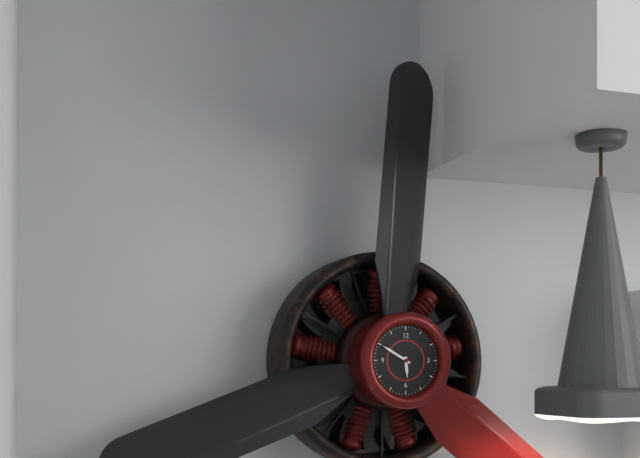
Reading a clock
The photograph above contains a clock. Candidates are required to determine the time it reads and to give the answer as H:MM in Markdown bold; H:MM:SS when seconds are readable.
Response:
**5:50**
